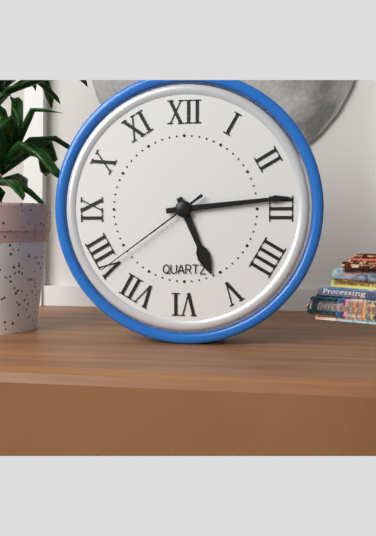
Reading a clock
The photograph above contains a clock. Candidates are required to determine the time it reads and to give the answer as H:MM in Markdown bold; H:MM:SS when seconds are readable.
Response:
**5:14:39**
